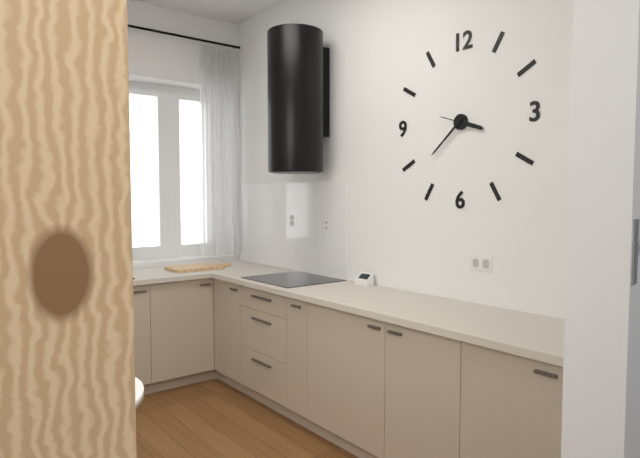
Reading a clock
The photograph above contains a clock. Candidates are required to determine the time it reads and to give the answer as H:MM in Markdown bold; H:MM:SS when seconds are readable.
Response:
**3:38**
